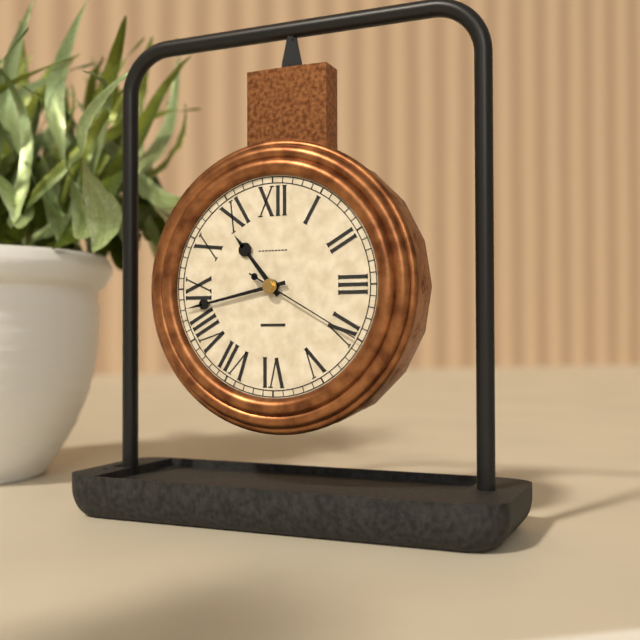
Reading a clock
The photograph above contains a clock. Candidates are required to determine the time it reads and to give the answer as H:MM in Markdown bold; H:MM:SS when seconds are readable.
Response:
**10:43:20**
